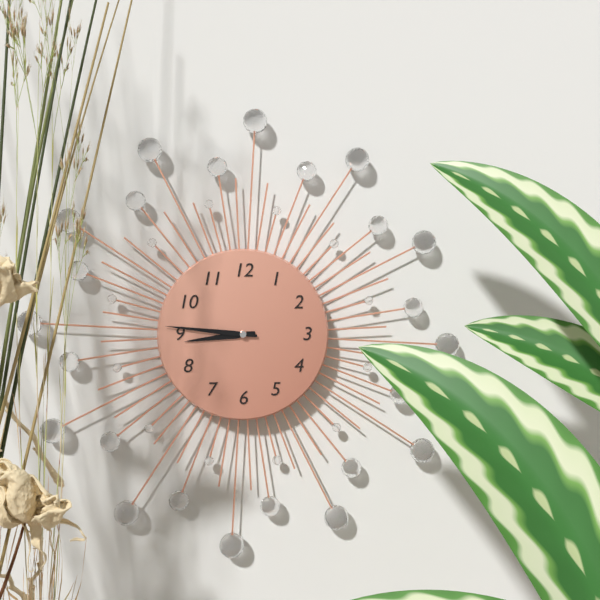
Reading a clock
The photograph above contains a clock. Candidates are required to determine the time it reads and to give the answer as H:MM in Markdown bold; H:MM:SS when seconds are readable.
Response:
**8:46**
